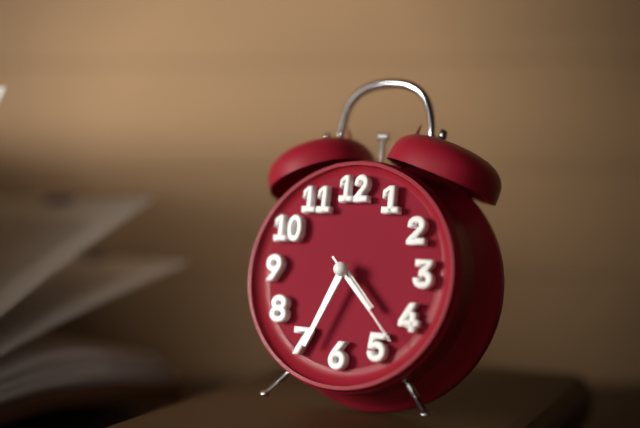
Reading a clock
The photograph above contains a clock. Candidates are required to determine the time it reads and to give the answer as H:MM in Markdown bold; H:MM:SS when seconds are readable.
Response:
**4:34:23**
